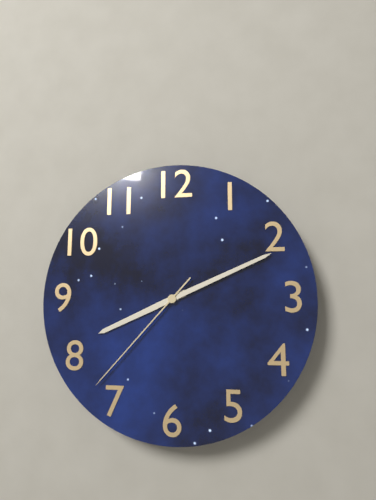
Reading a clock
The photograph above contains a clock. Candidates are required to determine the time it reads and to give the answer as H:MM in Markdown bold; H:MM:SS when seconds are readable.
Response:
**8:11:37**
